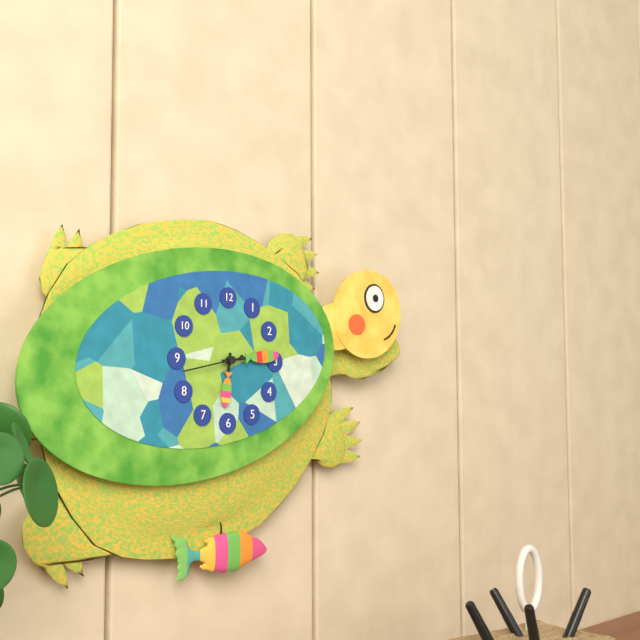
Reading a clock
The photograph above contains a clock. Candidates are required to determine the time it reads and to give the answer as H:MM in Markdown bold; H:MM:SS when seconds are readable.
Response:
**6:14:43**
